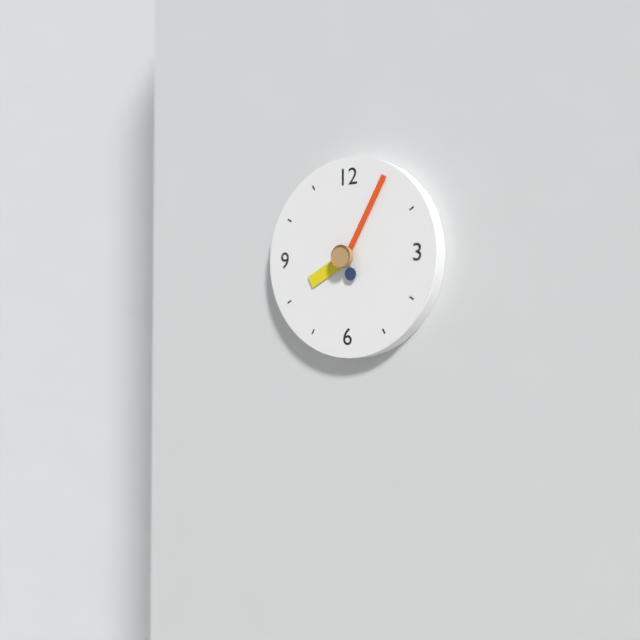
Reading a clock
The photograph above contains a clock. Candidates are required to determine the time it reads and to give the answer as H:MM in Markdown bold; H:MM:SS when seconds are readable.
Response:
**8:05**
